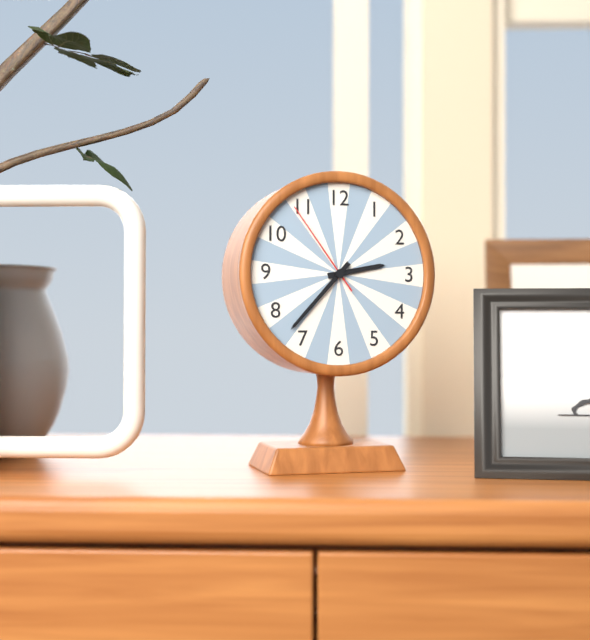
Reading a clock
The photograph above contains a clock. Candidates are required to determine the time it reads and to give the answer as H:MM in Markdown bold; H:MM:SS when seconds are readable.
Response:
**2:37:54**
